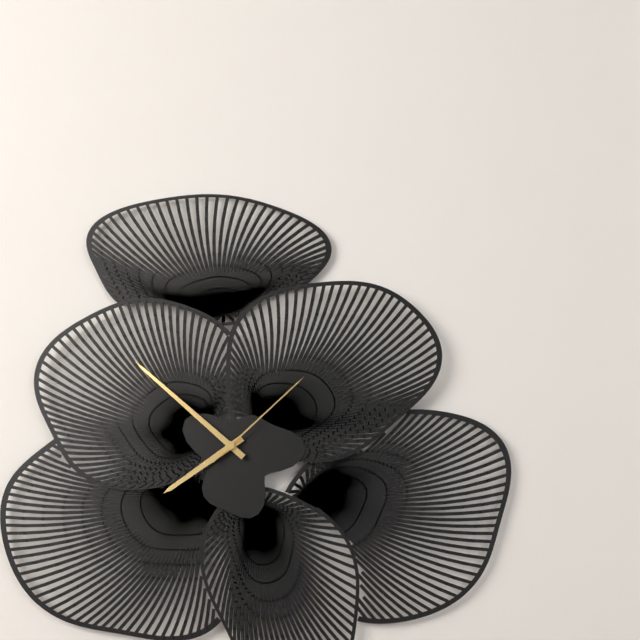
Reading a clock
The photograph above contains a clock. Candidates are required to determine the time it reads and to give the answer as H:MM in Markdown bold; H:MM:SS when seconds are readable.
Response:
**7:52:08**
